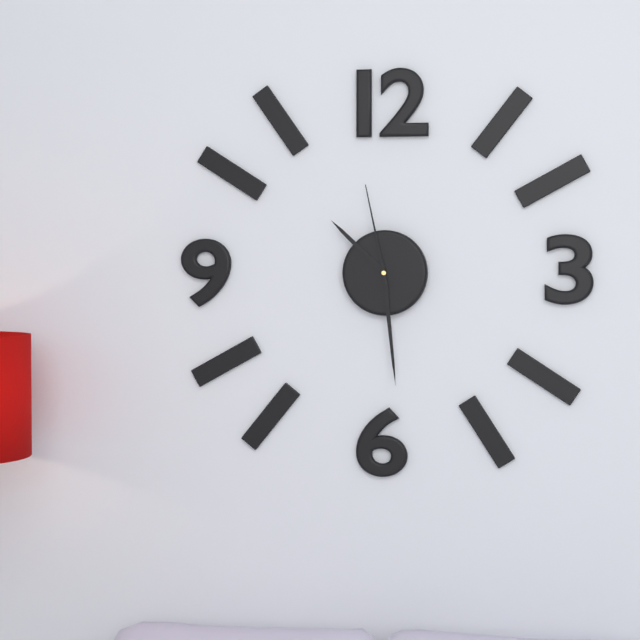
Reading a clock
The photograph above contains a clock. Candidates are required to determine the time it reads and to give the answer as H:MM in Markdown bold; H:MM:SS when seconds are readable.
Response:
**10:29:58**
